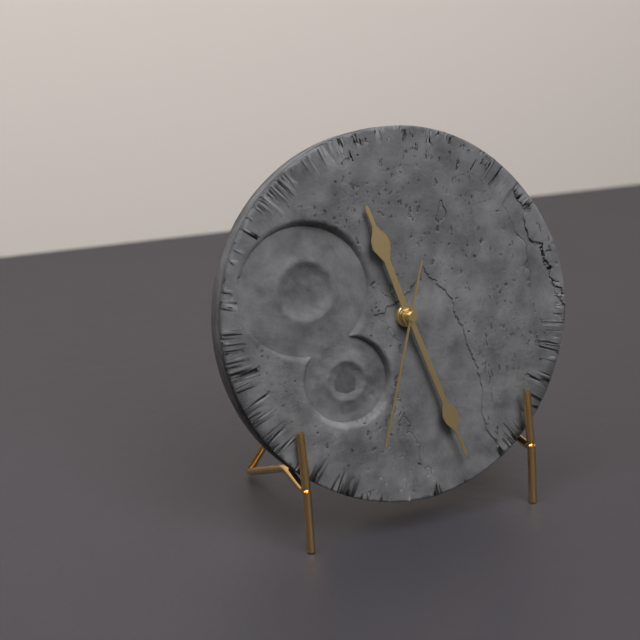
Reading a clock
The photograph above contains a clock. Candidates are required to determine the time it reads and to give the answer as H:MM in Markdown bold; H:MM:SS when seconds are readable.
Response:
**11:27:33**
